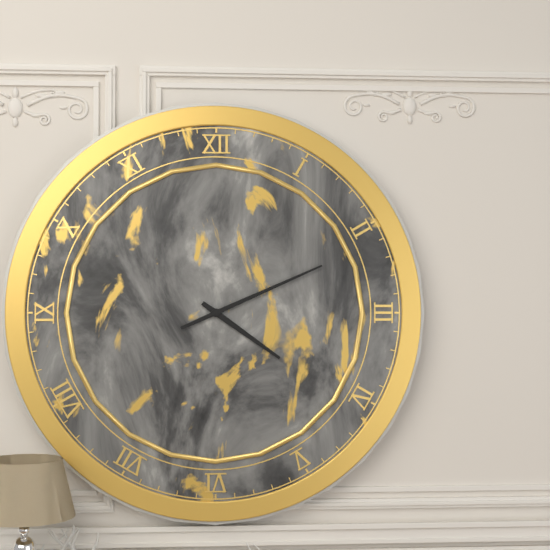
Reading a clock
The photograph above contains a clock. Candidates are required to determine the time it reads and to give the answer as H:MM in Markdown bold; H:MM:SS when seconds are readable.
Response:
**4:11**
